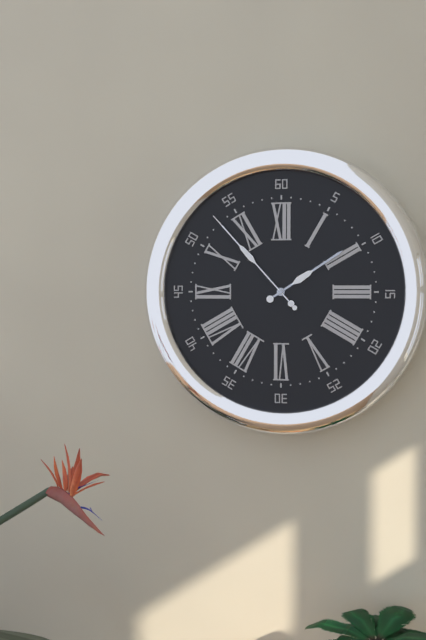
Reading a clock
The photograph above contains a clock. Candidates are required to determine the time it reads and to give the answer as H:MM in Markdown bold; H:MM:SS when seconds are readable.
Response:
**1:53:53**
